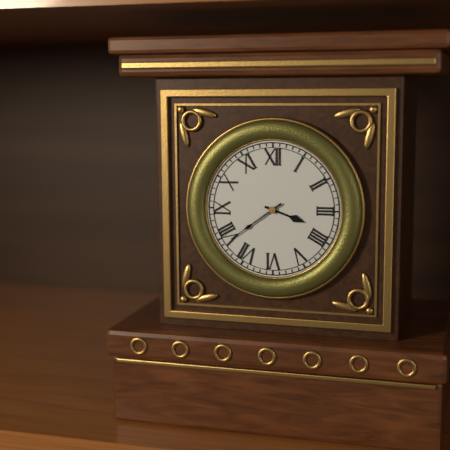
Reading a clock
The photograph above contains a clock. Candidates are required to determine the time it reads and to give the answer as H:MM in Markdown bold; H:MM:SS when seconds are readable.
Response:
**3:39**
